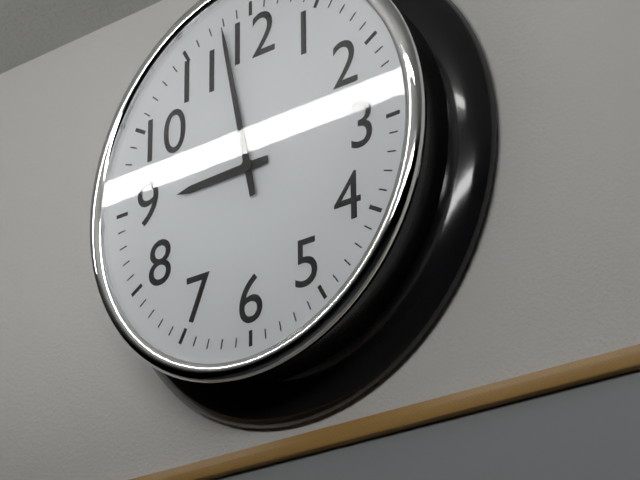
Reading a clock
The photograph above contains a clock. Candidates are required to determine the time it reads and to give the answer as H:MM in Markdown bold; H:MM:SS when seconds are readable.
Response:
**8:58**
